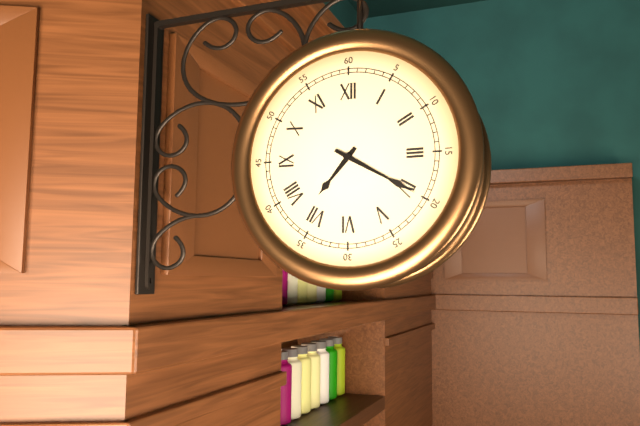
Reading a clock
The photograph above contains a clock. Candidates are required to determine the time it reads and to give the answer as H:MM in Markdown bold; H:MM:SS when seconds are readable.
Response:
**7:20**
